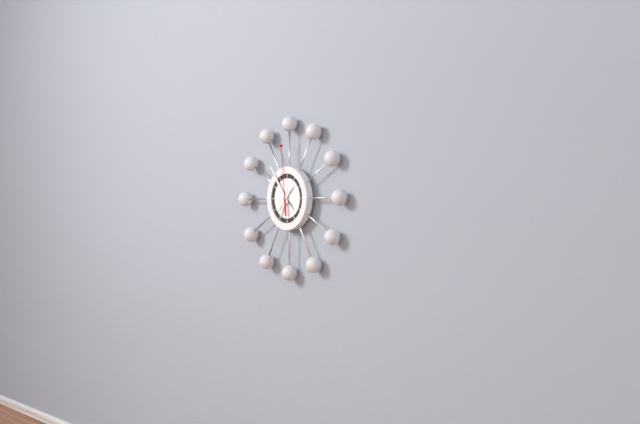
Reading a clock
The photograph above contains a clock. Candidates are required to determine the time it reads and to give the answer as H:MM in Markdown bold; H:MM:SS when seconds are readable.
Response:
**6:54:59**
